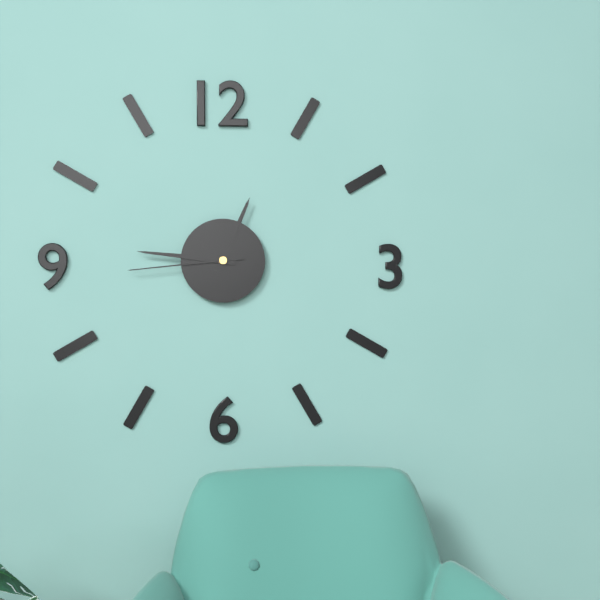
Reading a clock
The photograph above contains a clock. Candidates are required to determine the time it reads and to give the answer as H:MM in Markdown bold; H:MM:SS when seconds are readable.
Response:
**12:46:44**
